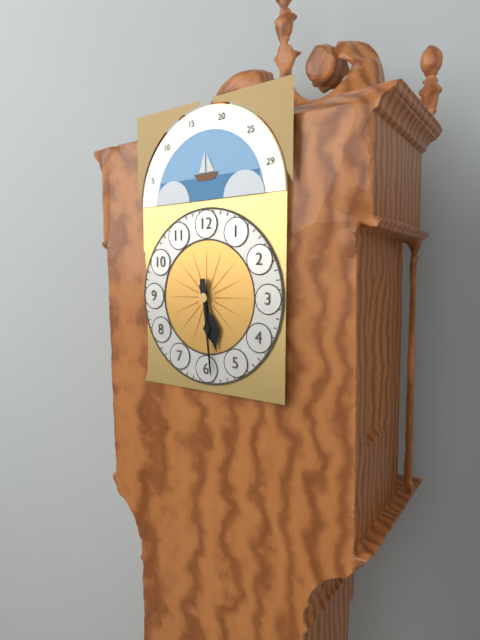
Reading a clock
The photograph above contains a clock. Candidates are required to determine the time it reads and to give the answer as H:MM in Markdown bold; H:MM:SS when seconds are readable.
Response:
**5:29**
